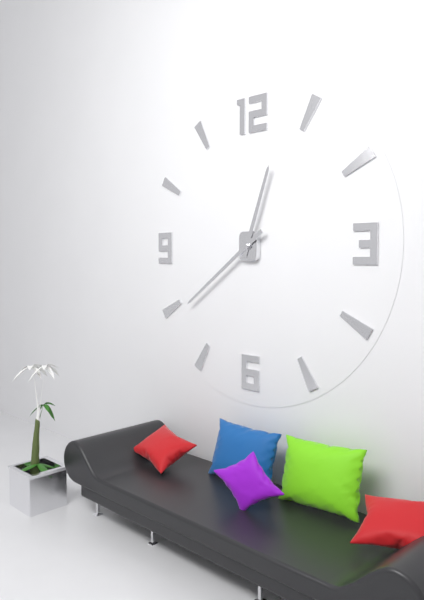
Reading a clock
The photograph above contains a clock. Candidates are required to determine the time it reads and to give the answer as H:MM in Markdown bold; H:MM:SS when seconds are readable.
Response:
**12:39**
